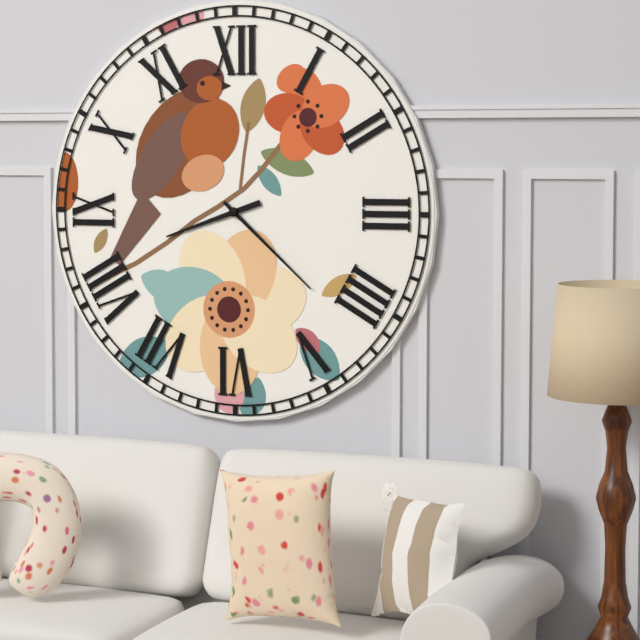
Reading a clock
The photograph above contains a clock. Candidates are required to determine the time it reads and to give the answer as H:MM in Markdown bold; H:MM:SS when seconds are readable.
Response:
**8:22**
